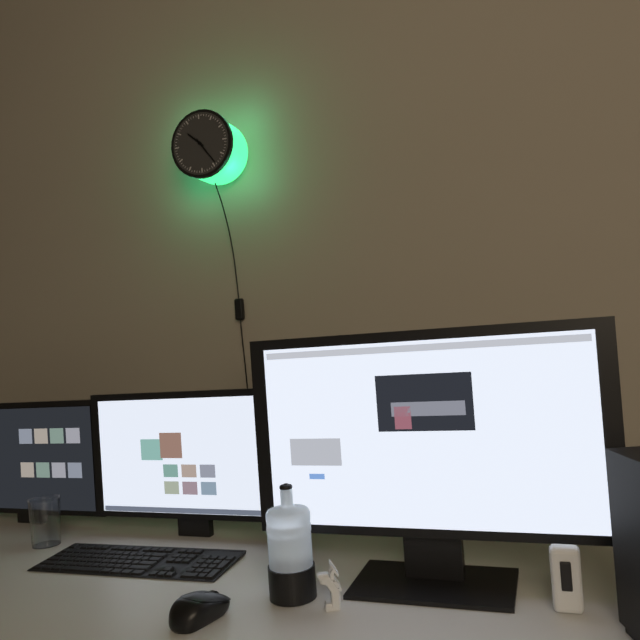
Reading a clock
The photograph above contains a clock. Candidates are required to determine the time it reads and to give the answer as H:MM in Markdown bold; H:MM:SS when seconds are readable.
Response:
**10:24**
